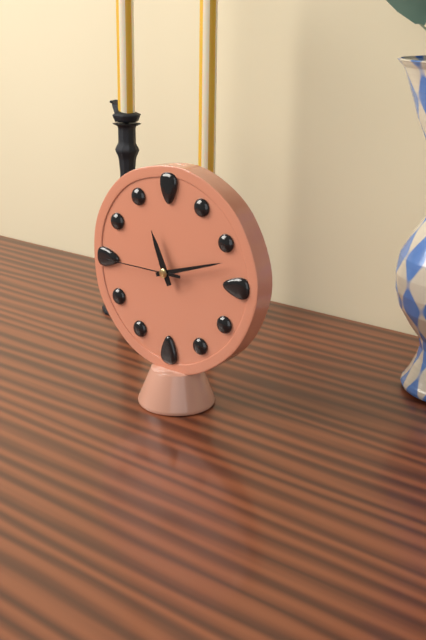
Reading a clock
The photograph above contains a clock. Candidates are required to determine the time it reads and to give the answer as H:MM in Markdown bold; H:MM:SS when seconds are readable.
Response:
**11:12:45**
